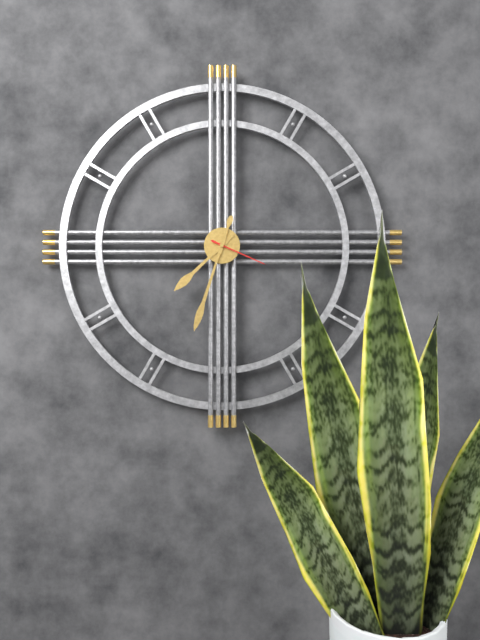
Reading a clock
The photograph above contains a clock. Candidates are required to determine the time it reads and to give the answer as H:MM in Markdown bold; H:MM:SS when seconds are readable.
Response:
**7:33:19**
